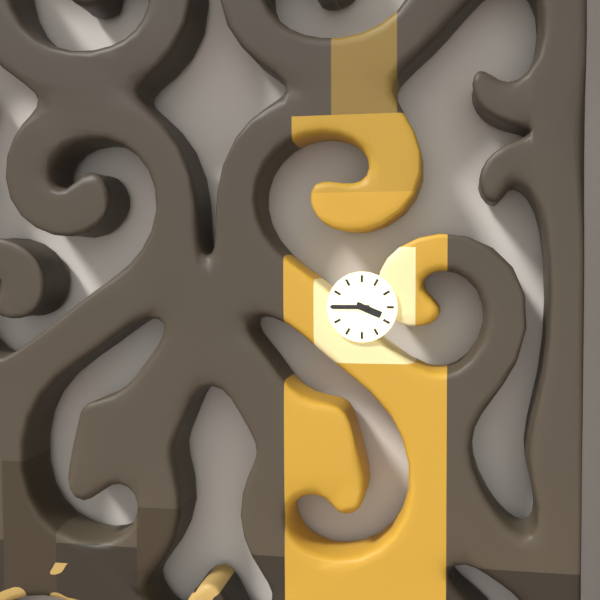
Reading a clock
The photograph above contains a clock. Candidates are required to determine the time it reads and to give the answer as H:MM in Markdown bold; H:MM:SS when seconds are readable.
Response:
**3:45**
